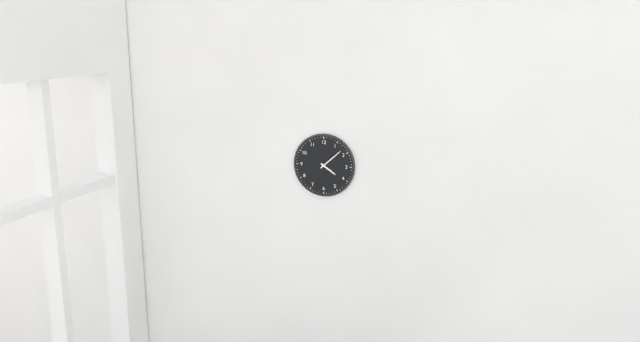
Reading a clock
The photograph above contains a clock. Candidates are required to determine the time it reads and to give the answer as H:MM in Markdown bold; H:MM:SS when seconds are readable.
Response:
**4:08**
